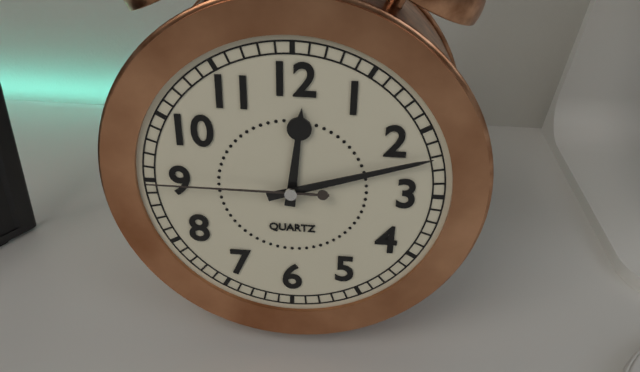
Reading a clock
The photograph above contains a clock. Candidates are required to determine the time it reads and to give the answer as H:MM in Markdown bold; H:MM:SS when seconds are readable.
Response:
**12:12:45**
